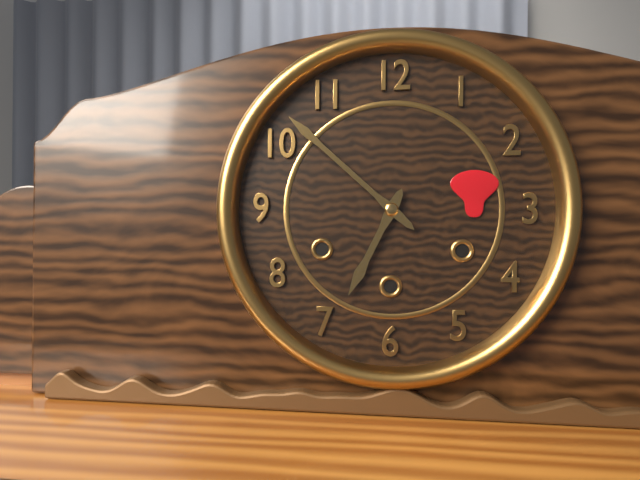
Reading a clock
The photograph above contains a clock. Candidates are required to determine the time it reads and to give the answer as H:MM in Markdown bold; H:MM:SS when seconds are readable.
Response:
**6:52**
